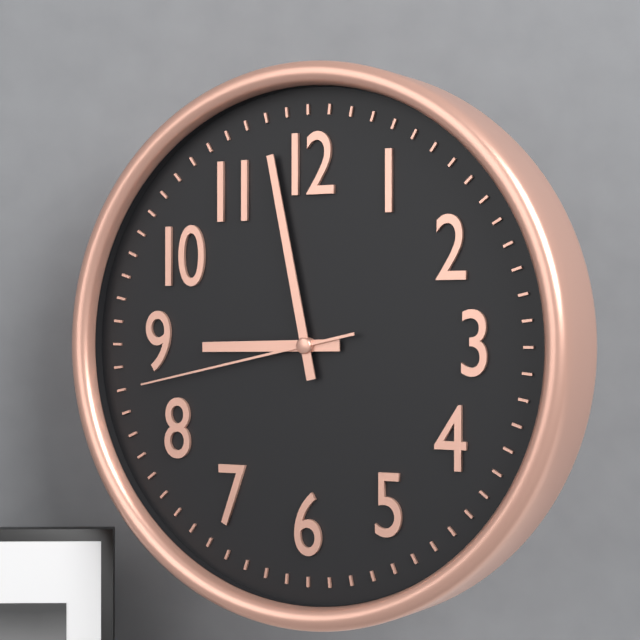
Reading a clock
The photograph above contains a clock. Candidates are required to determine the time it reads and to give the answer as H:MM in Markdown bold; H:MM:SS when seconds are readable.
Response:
**8:58:43**
